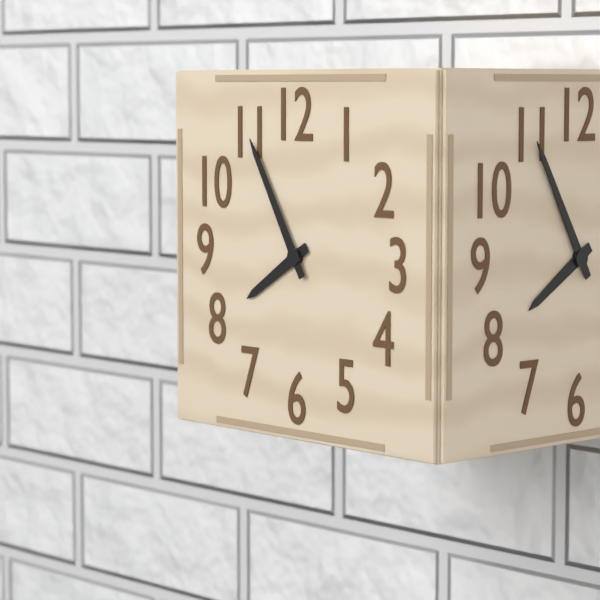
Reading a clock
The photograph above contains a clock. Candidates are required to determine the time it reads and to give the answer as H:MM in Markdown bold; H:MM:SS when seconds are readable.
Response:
**7:55**
